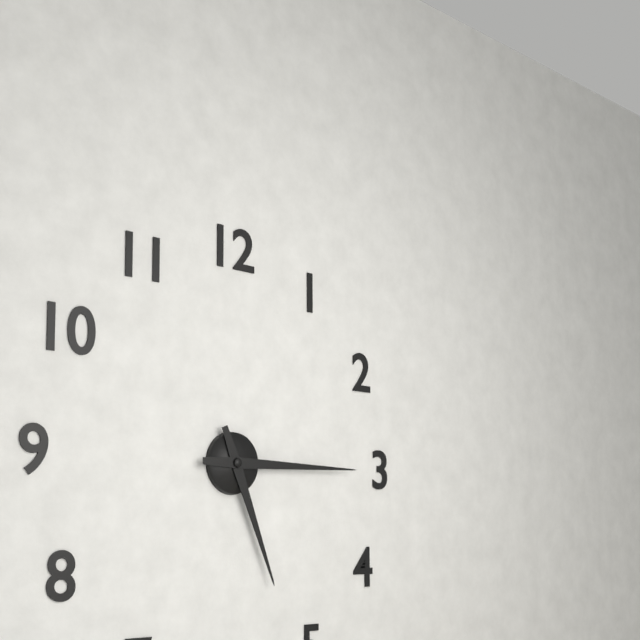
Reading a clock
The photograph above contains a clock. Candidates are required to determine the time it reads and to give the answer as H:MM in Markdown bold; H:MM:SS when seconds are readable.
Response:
**5:15**
